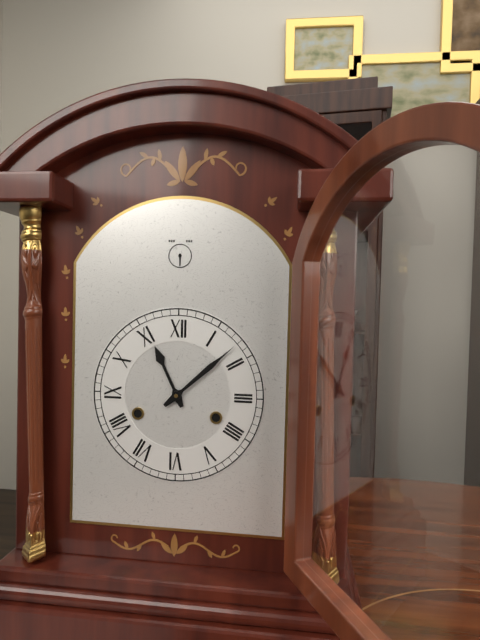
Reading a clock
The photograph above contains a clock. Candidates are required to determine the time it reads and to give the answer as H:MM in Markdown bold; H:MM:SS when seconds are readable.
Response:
**11:08**
